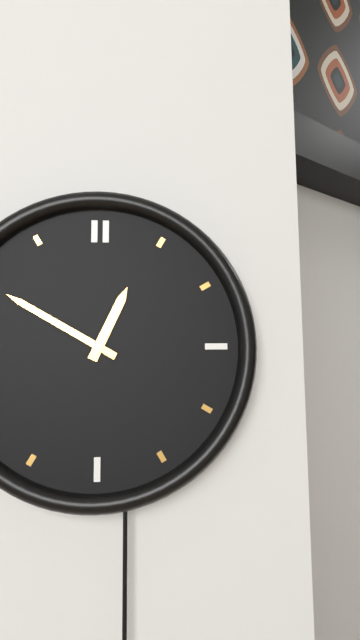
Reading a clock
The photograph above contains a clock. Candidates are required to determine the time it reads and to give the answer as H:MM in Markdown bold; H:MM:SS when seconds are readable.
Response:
**12:50**
